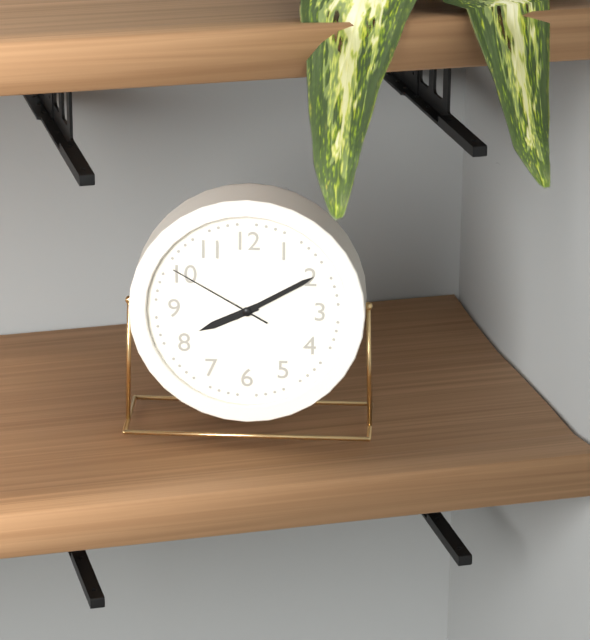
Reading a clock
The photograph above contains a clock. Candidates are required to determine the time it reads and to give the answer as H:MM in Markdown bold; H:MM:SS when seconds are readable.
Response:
**8:10:50**
